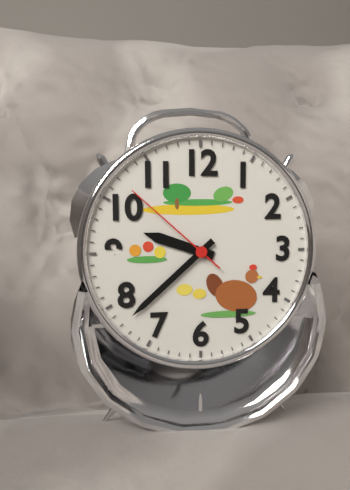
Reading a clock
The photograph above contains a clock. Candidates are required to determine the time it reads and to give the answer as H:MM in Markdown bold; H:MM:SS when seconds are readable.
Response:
**9:38:52**
